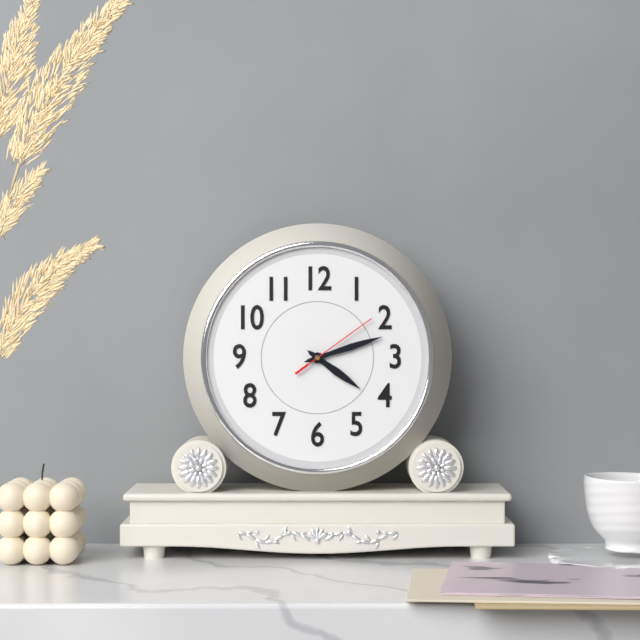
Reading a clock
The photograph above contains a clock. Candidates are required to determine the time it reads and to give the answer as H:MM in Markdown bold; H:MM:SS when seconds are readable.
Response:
**4:12:09**
